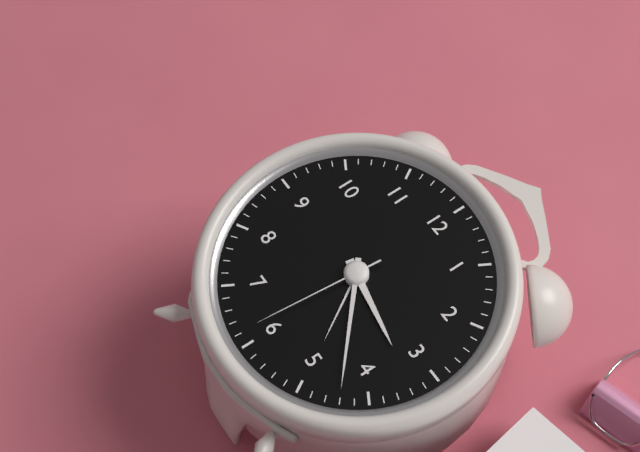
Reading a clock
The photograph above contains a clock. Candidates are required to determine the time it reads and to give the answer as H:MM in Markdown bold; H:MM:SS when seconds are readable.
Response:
**3:22:31**
